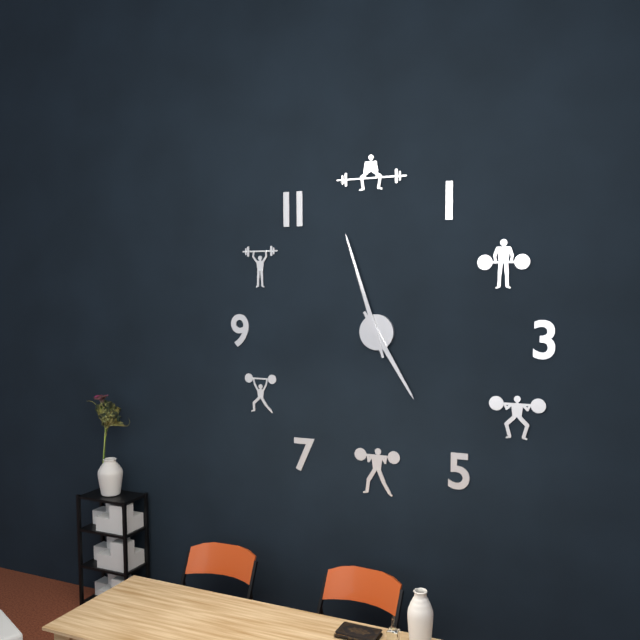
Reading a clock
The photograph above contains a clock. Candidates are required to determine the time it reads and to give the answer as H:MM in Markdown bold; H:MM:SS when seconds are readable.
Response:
**4:57**
